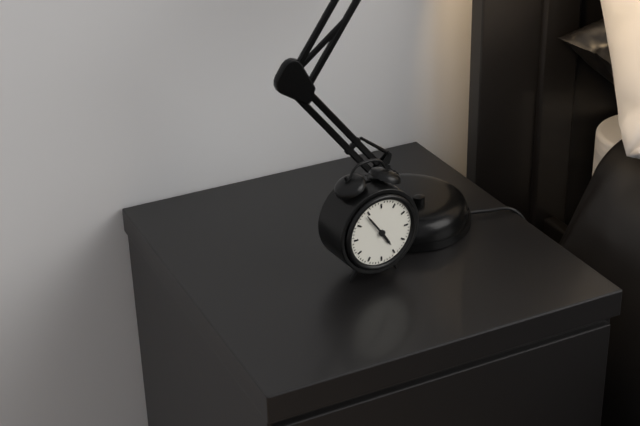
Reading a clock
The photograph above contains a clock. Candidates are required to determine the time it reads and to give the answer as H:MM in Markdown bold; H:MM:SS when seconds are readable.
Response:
**4:54**
